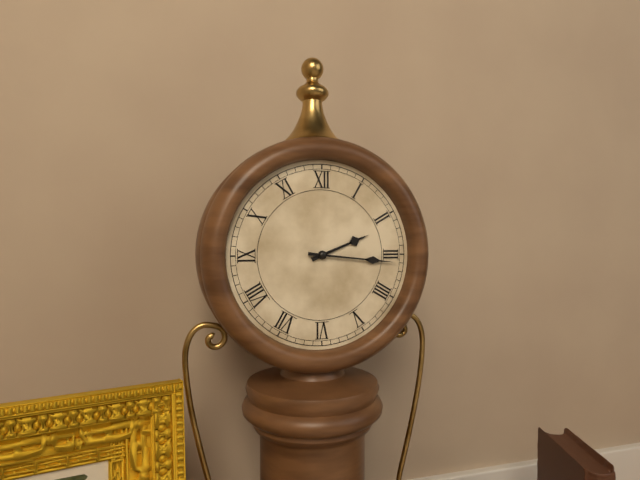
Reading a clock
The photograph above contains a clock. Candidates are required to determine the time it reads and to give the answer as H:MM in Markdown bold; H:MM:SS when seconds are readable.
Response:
**2:16**
